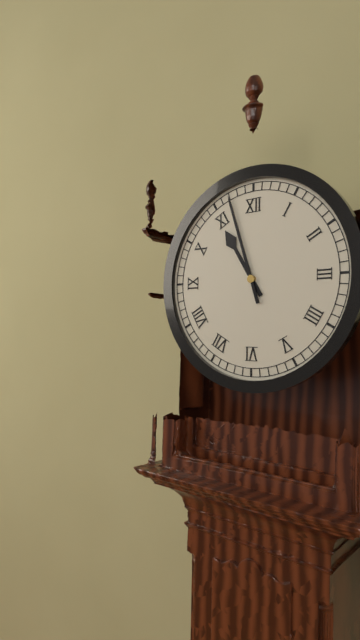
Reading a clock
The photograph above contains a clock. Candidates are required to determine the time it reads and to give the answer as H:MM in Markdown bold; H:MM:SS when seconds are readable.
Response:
**10:57**
